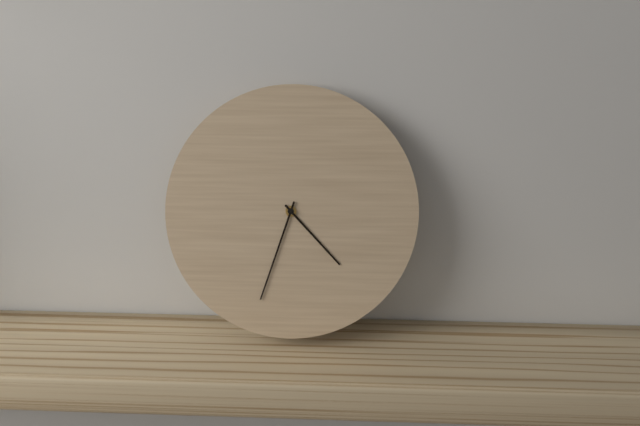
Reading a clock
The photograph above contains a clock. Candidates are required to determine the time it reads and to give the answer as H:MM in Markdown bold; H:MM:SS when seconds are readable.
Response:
**4:33**
